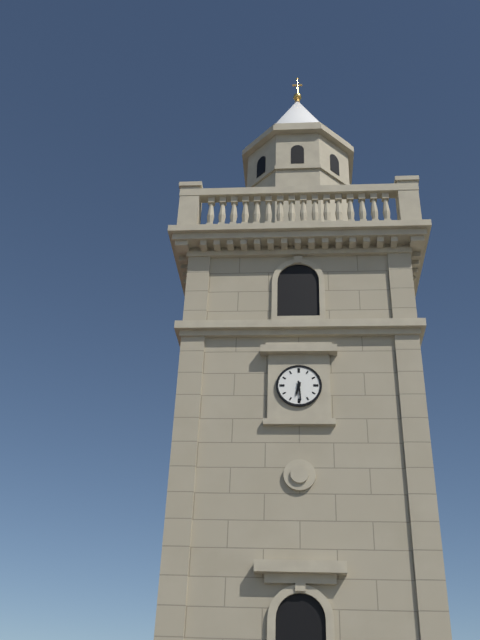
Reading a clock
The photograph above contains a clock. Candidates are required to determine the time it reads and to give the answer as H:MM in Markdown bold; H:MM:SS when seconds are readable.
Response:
**6:29**
